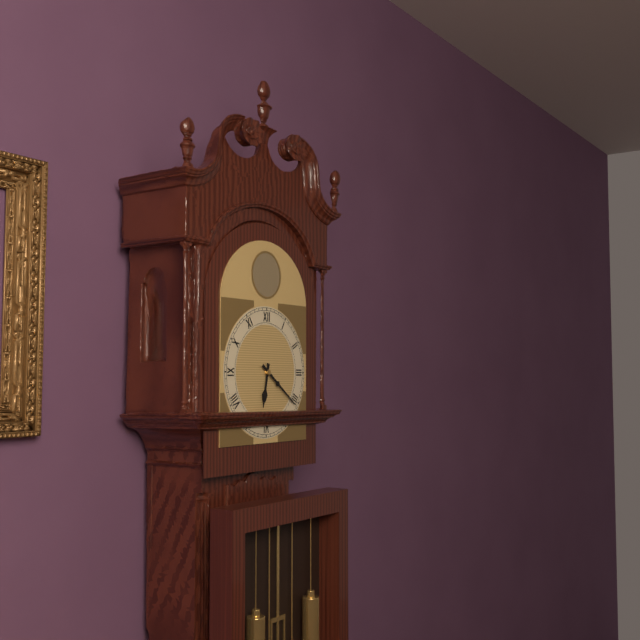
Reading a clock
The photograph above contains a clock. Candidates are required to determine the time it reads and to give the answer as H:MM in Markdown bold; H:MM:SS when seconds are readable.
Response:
**6:21**
